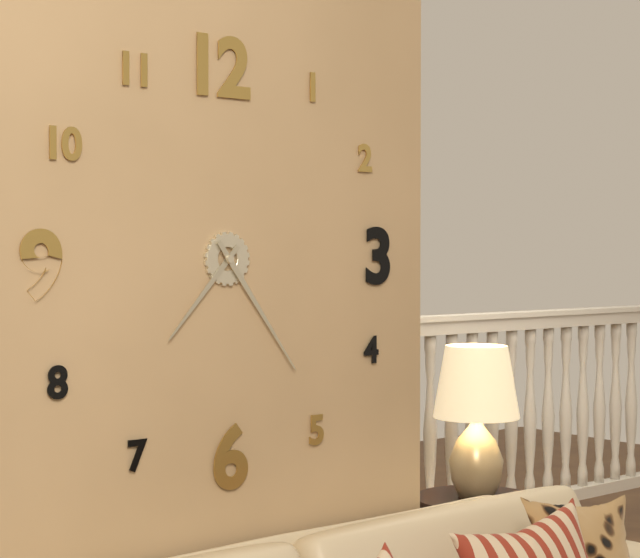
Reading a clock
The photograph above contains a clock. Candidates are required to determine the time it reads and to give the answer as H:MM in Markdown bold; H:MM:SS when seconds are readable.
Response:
**7:24**
